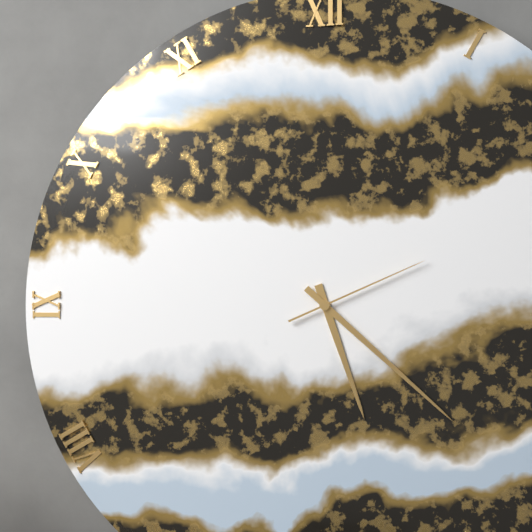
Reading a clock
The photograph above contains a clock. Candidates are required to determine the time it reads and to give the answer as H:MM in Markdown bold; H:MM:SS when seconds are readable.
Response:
**5:22:11**
